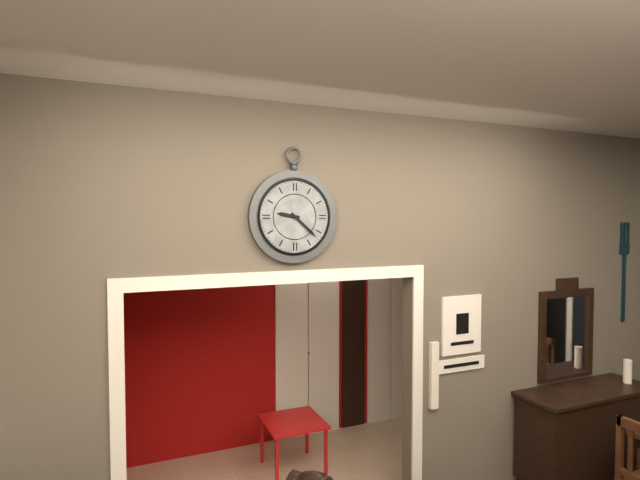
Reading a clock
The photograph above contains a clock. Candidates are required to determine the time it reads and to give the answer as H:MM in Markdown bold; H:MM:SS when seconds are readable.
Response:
**9:22**
